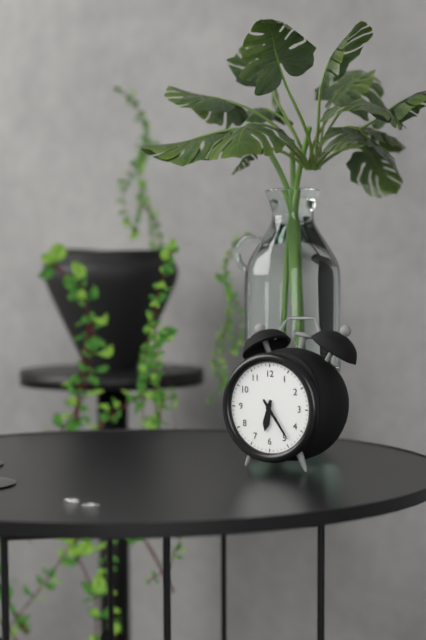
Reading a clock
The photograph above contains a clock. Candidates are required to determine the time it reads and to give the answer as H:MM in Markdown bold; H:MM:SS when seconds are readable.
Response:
**6:24**
